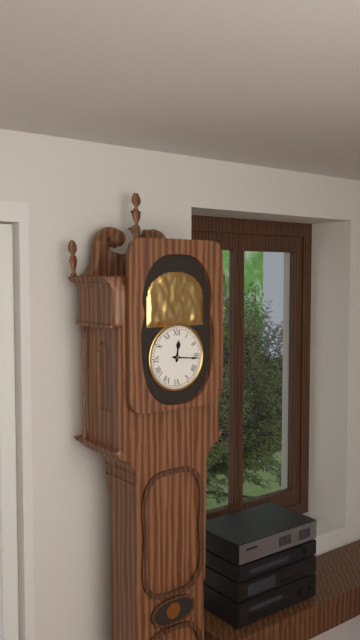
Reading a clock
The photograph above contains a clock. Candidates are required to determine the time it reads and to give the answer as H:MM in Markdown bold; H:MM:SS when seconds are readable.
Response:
**12:16**
